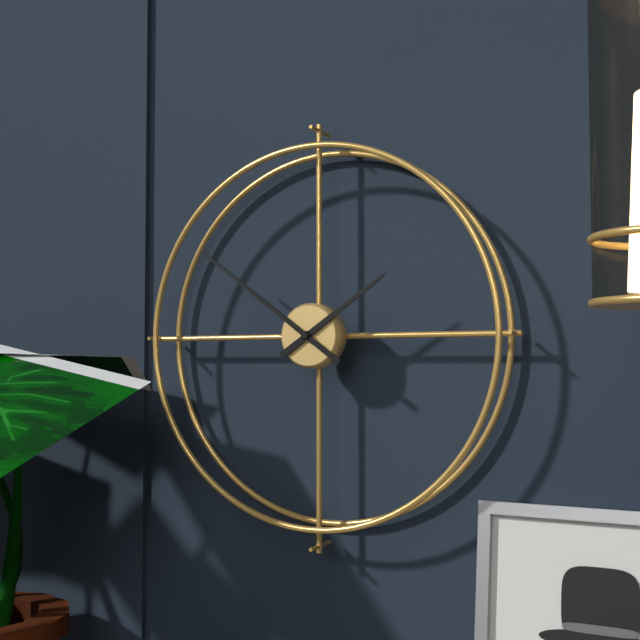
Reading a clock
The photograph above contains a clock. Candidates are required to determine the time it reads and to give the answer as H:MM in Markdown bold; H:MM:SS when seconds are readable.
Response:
**1:51**
